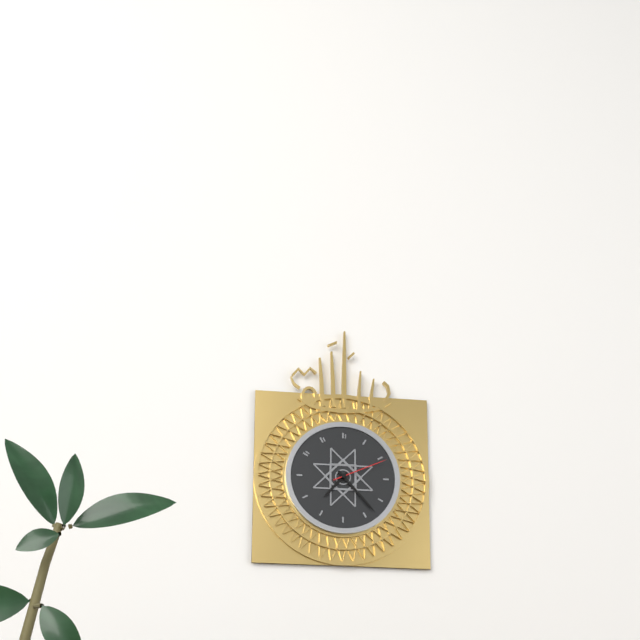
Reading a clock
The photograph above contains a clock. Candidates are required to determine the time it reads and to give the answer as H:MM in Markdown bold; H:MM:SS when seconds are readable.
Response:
**7:23:11**
